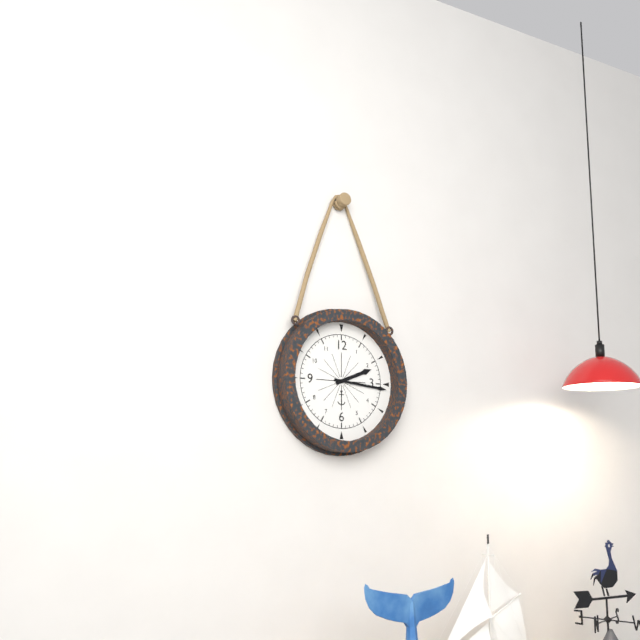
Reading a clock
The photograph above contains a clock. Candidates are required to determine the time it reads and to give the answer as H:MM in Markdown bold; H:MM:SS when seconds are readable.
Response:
**2:16**
